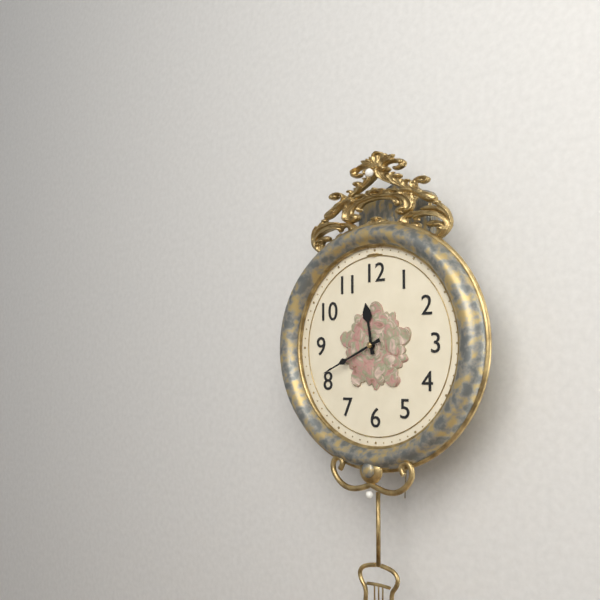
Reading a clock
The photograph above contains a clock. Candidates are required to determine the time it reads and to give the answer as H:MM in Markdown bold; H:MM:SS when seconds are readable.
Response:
**11:41**
